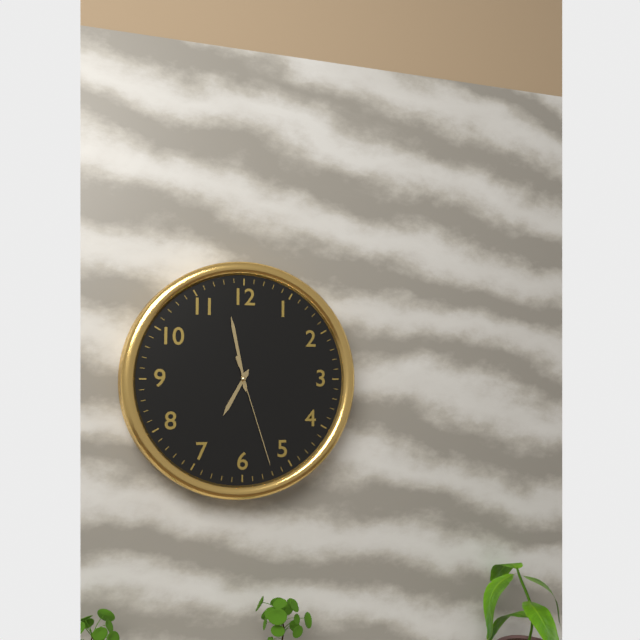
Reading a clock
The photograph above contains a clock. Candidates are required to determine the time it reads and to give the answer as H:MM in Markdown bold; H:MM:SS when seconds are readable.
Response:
**6:58:27**
